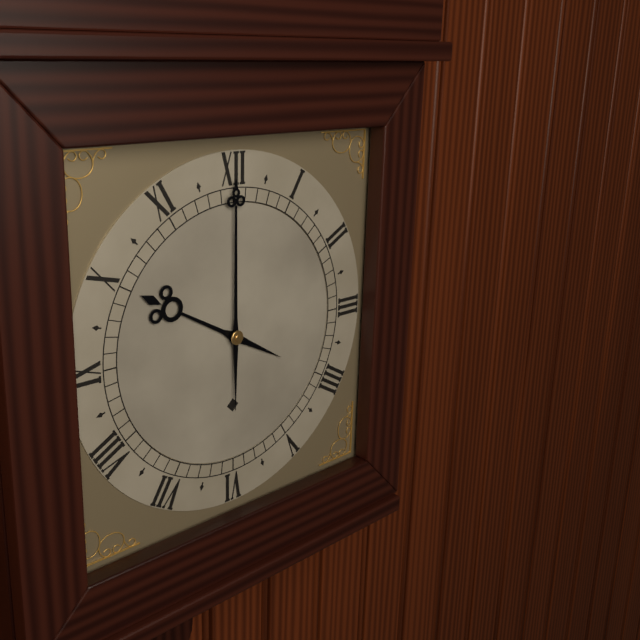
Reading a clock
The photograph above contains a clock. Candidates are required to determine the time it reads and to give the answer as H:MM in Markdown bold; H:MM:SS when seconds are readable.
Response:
**10:00**
